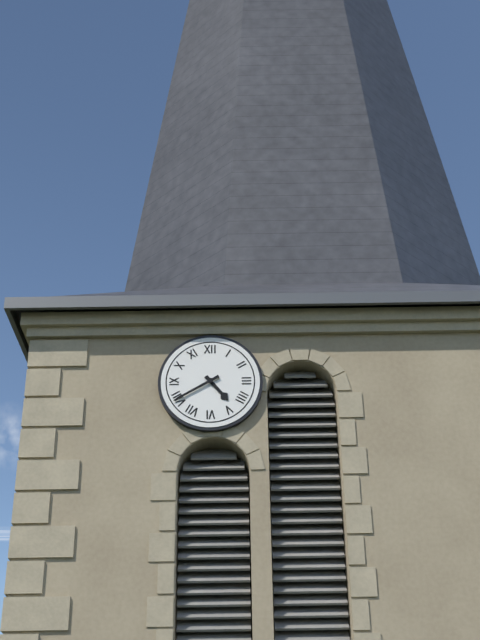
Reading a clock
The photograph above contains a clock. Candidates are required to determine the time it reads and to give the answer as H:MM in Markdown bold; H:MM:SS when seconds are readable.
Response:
**4:40**
